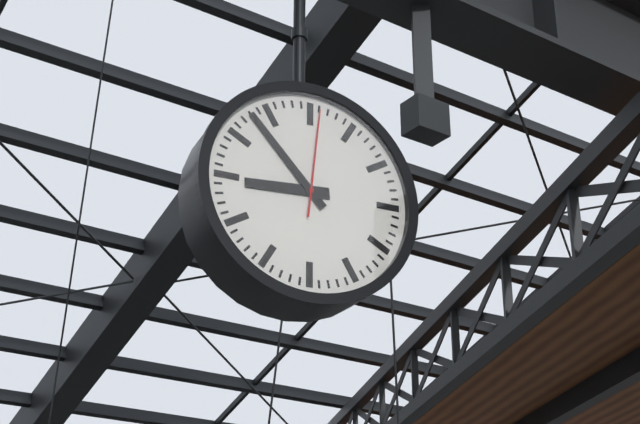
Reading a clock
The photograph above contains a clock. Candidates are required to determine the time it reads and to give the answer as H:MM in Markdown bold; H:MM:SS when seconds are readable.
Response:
**8:53:01**
